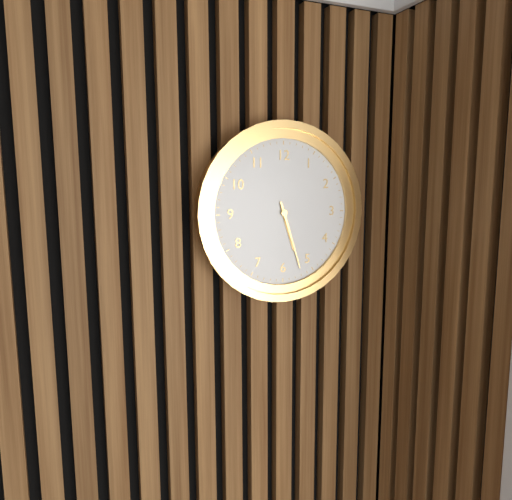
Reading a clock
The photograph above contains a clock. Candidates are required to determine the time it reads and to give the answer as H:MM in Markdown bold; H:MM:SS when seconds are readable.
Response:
**5:27**
